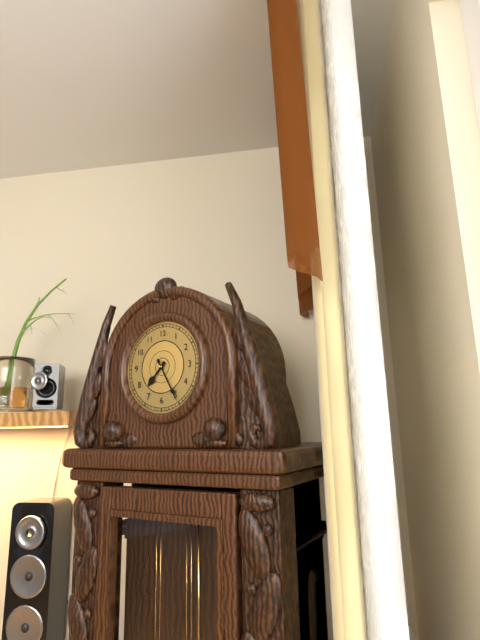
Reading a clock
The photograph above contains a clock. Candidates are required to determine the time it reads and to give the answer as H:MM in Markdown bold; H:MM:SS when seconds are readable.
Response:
**7:25**
